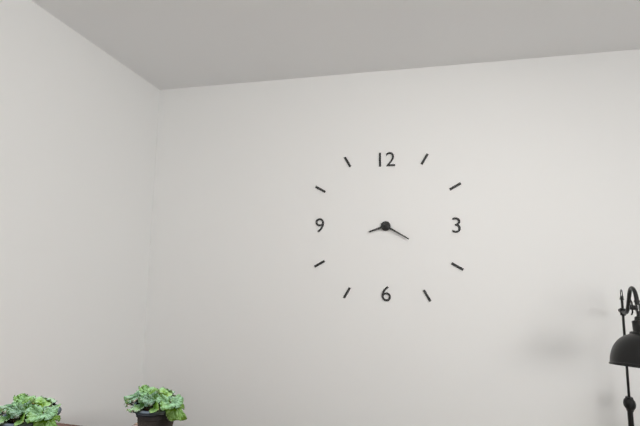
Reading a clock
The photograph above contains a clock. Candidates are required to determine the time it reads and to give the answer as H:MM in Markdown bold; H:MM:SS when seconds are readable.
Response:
**8:20**
